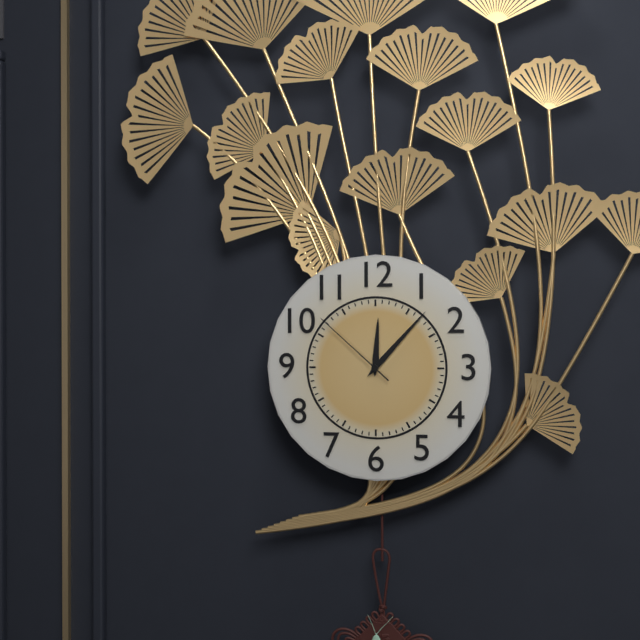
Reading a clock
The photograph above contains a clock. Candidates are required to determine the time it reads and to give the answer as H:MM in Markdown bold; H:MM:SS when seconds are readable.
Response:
**12:07:52**
